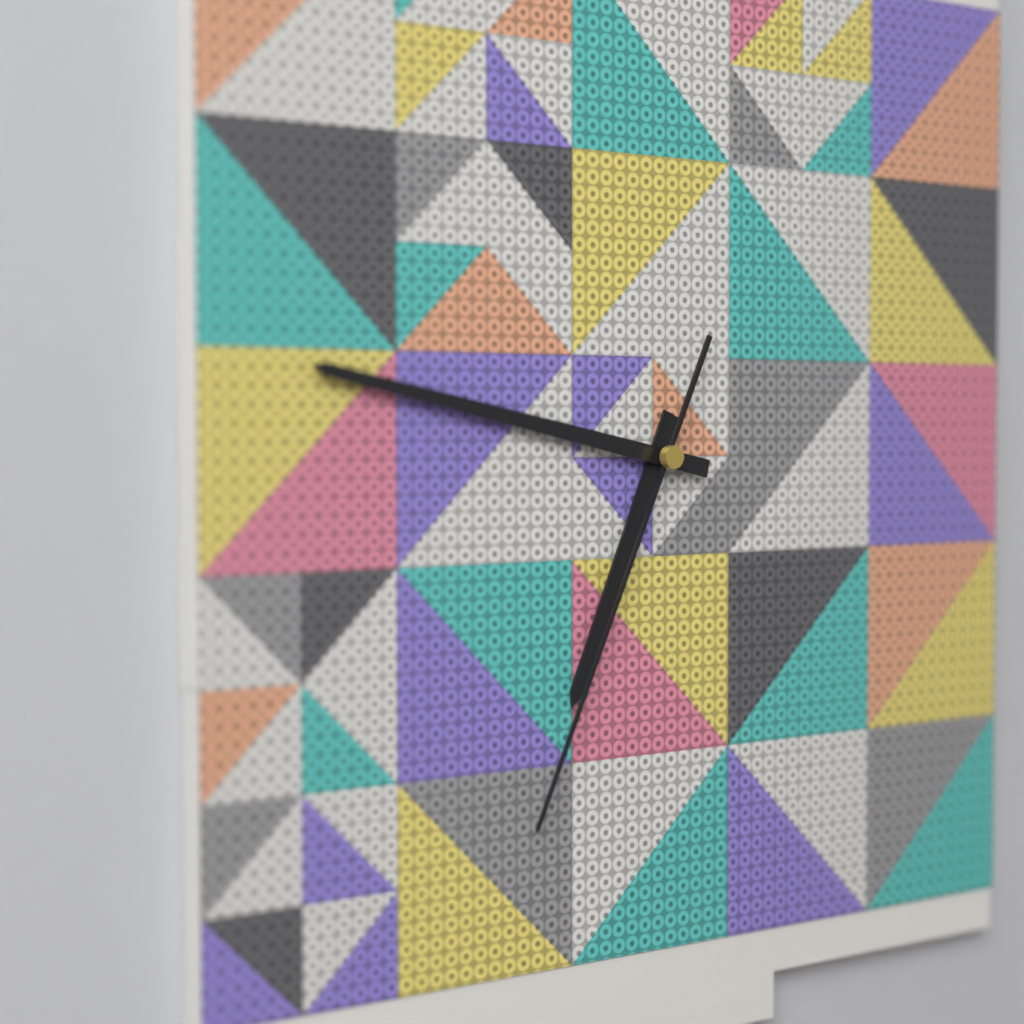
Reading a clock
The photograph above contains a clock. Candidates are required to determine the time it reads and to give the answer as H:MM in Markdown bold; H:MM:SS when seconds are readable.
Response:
**6:47:34**
